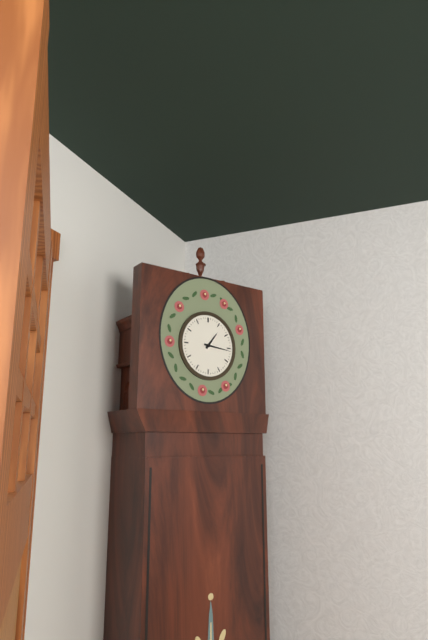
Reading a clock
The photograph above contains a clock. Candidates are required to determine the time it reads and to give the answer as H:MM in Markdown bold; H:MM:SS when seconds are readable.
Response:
**1:16**
